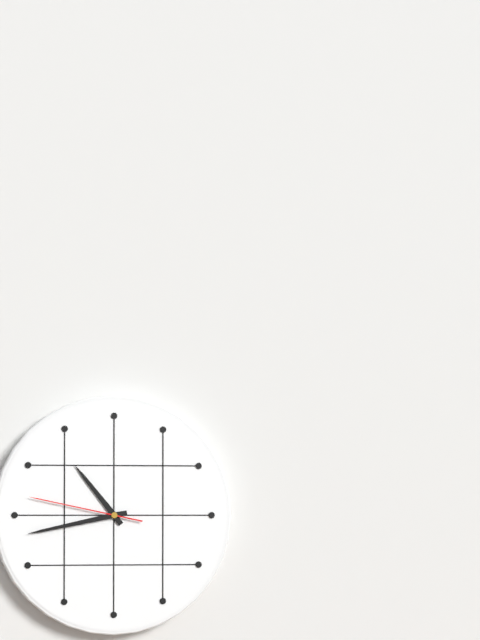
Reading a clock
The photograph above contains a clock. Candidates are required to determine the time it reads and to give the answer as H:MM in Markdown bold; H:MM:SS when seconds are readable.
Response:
**10:43:47**
